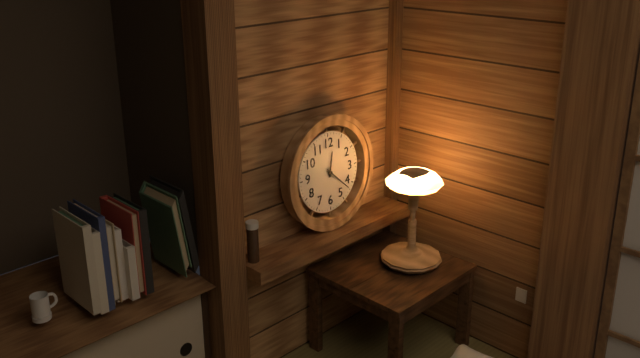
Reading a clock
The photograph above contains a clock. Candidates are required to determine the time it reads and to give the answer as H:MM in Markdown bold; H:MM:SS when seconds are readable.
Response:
**12:22**
